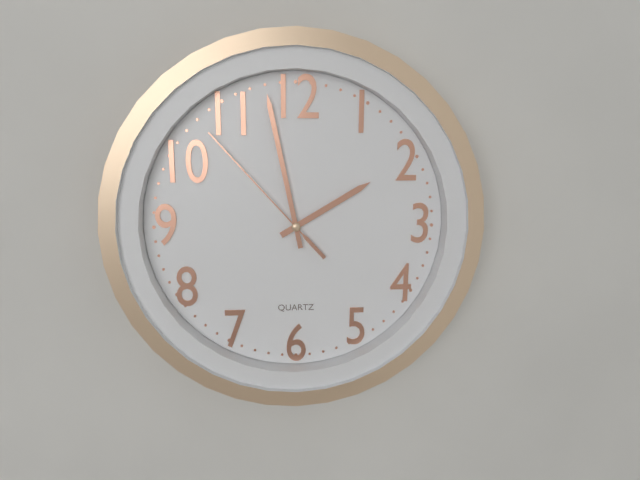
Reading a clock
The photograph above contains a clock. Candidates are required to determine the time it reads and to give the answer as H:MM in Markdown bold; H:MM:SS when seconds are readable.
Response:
**1:58:53**
